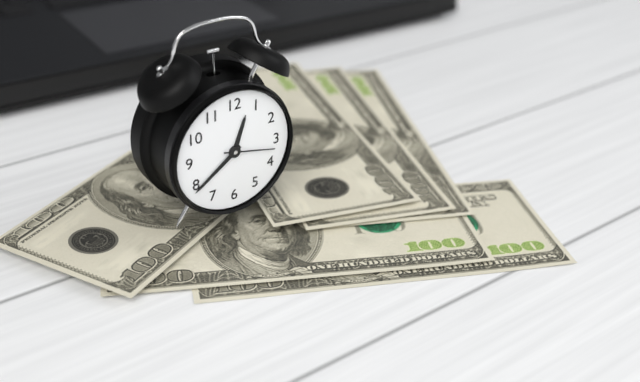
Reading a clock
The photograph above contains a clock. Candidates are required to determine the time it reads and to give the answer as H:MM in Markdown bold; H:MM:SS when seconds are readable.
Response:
**12:39:17**
